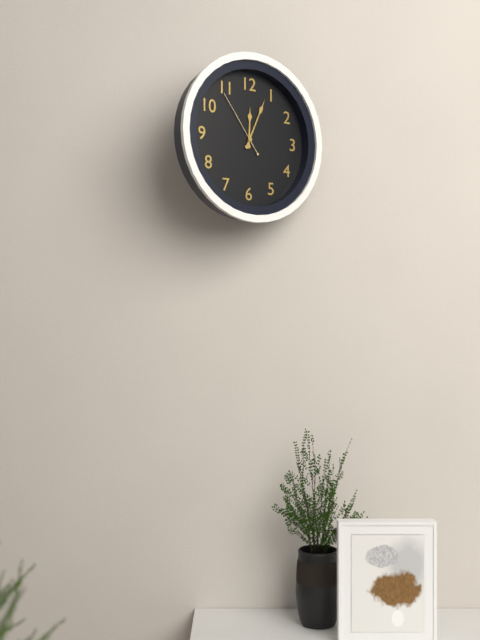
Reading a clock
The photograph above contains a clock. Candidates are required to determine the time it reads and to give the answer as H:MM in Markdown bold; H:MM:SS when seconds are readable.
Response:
**12:04:54**
